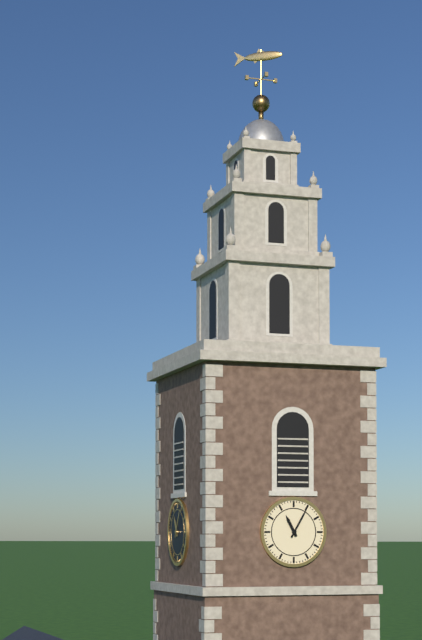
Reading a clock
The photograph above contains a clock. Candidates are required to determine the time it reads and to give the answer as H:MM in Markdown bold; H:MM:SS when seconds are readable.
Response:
**11:05**
